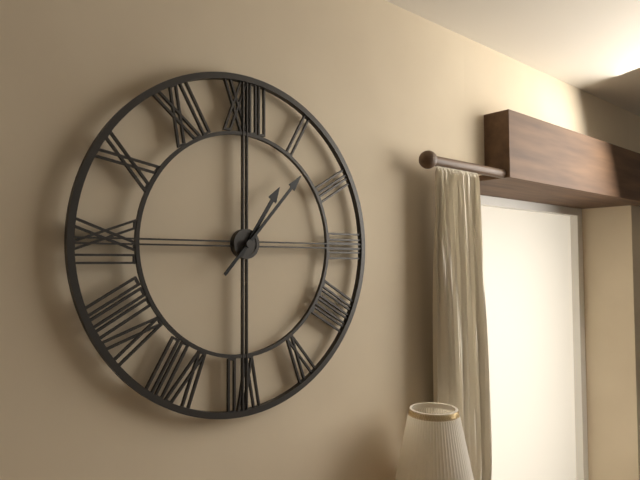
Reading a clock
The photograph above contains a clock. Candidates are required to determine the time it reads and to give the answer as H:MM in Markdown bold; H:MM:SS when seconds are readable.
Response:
**1:07**
